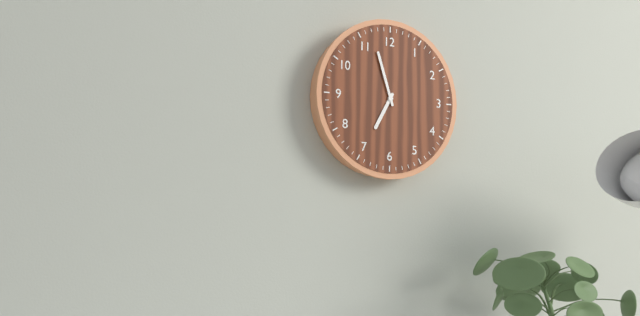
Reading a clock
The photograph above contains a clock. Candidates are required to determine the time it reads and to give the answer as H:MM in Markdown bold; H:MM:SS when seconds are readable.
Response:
**6:57**
